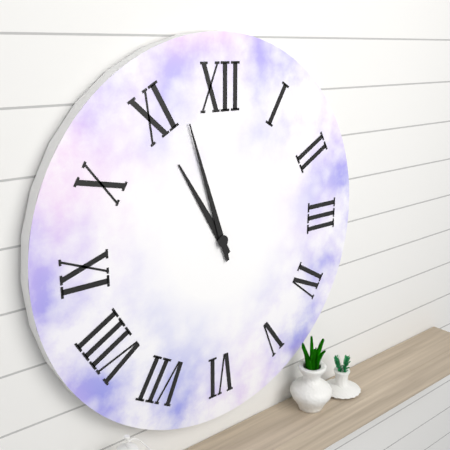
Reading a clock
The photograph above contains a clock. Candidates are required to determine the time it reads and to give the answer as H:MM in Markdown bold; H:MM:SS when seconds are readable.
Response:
**10:57**
